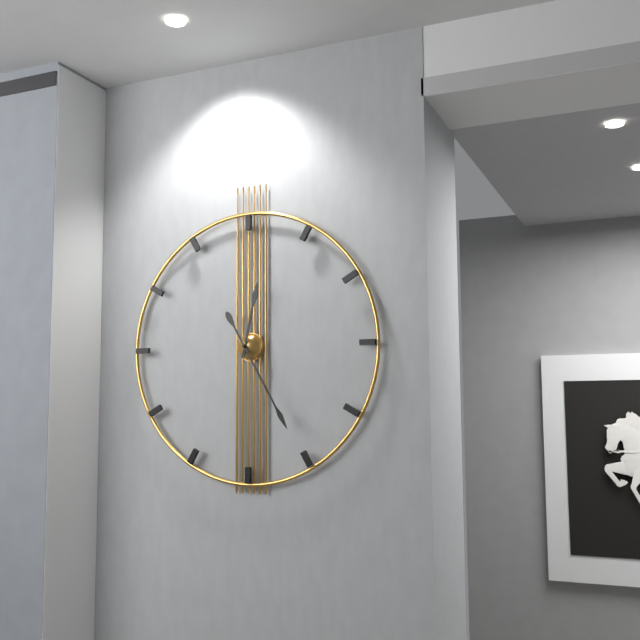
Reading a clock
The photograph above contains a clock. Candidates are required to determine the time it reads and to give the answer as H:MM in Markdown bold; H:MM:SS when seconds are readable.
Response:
**12:25**
